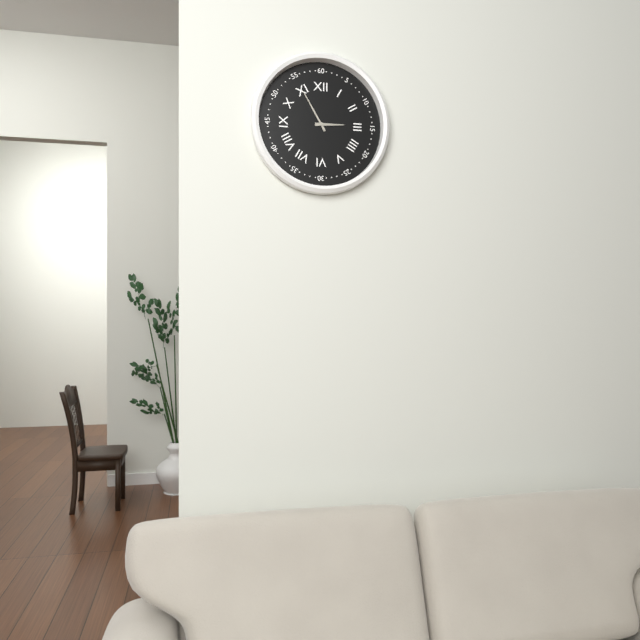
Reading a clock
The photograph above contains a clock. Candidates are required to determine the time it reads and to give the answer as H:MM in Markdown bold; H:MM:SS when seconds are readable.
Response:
**2:55**
